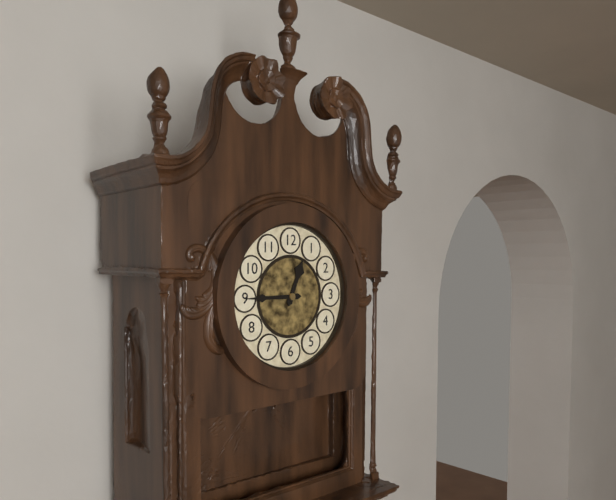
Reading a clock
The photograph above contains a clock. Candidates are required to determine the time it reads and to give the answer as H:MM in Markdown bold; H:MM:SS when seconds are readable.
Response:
**12:45**
